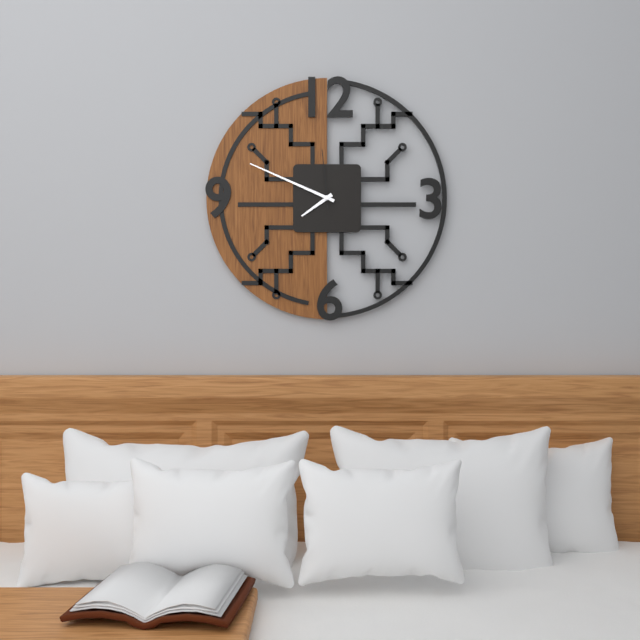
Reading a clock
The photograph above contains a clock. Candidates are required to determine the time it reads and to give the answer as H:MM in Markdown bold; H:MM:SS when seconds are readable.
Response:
**7:49:59**
